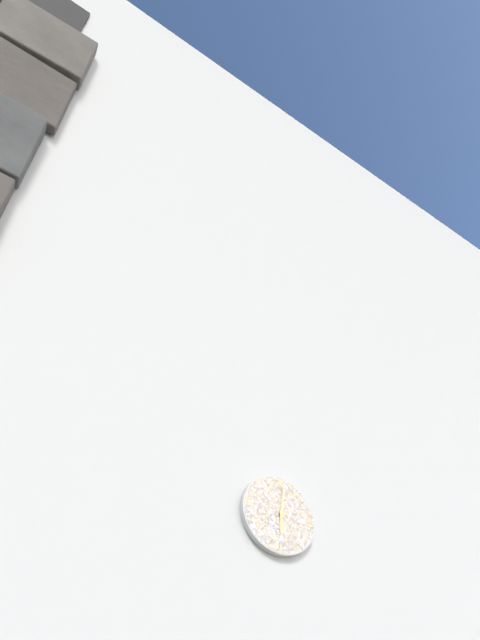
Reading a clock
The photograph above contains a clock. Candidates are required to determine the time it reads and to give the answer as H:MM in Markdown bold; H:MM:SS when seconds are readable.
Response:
**6:01**
